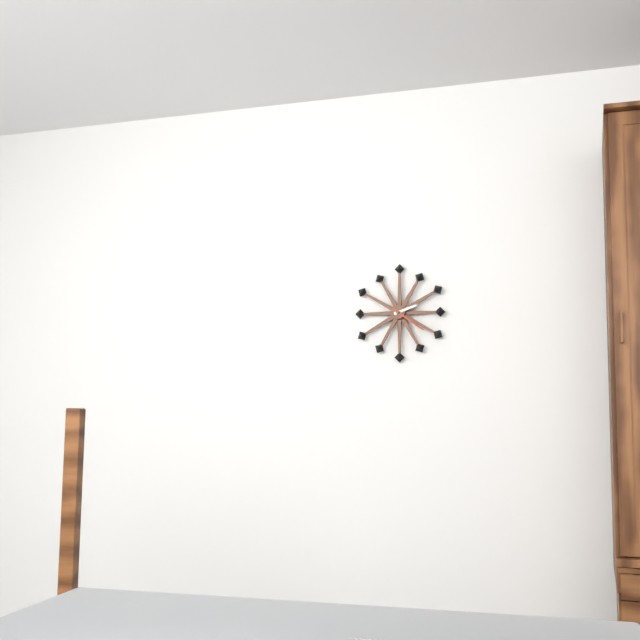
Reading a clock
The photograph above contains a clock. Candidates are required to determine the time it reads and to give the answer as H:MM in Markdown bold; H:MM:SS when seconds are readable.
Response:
**2:21**
